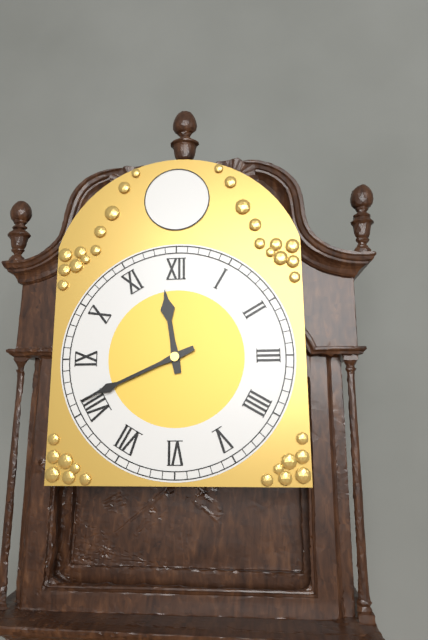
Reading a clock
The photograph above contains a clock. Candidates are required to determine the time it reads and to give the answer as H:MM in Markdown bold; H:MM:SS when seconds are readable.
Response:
**11:41**
